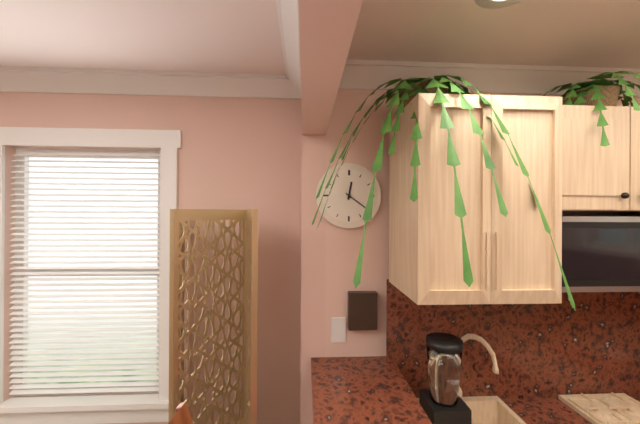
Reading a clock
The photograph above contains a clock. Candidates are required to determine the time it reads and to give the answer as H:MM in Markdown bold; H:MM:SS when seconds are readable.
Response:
**12:21**
